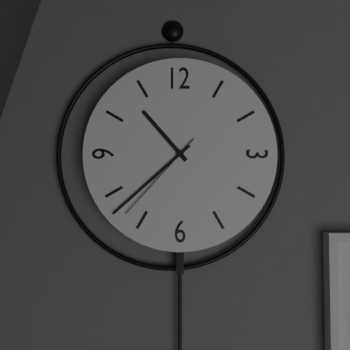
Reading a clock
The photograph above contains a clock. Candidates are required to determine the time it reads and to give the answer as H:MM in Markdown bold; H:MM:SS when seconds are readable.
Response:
**10:38:37**
